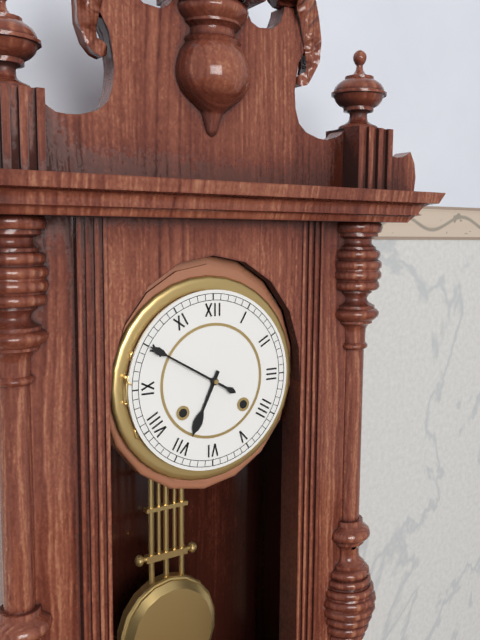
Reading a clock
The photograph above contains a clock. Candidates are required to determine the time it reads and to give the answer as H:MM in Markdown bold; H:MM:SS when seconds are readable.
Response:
**6:50**
